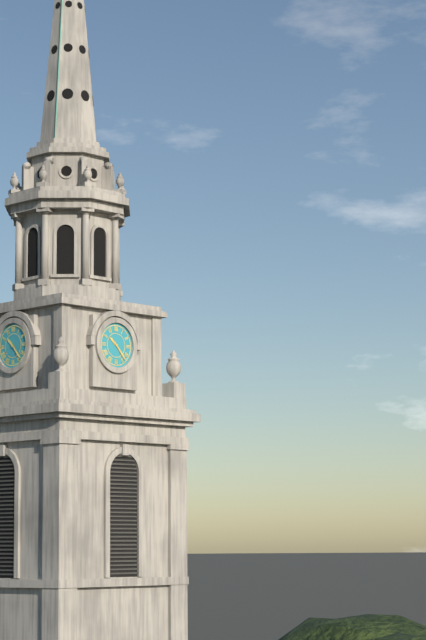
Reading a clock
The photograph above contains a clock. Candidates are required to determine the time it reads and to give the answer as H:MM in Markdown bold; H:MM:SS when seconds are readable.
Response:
**10:23**
